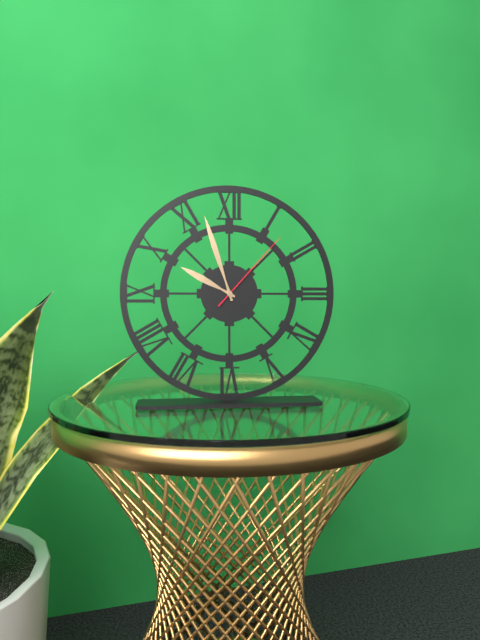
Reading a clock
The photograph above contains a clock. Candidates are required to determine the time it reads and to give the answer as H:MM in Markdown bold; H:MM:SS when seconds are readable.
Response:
**9:57:07**
